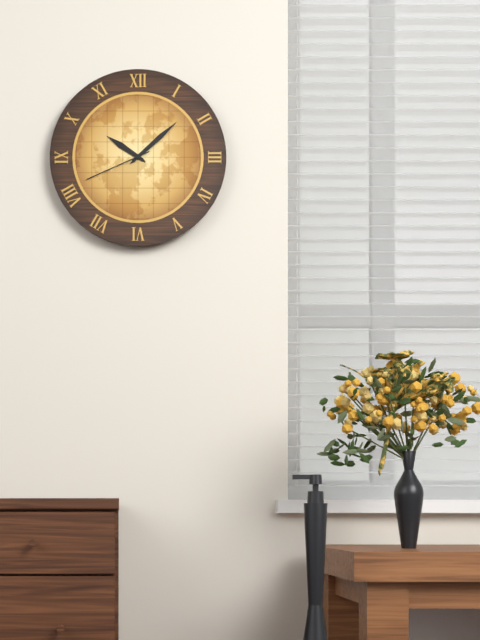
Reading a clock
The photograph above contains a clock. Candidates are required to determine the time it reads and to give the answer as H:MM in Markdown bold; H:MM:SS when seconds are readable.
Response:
**10:08:41**
